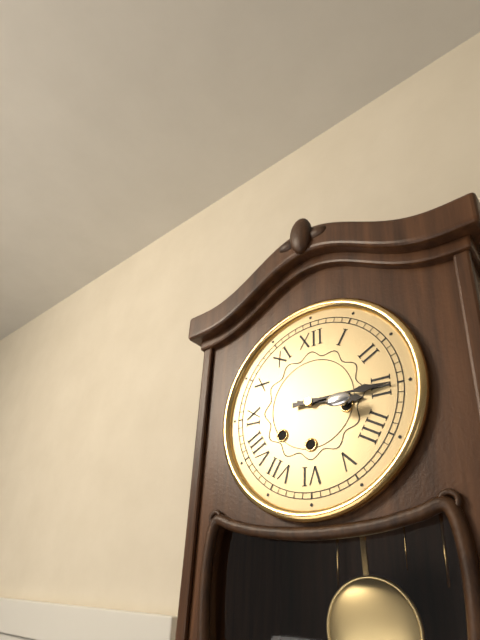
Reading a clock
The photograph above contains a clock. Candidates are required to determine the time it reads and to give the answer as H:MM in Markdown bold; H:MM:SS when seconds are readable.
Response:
**3:15**
